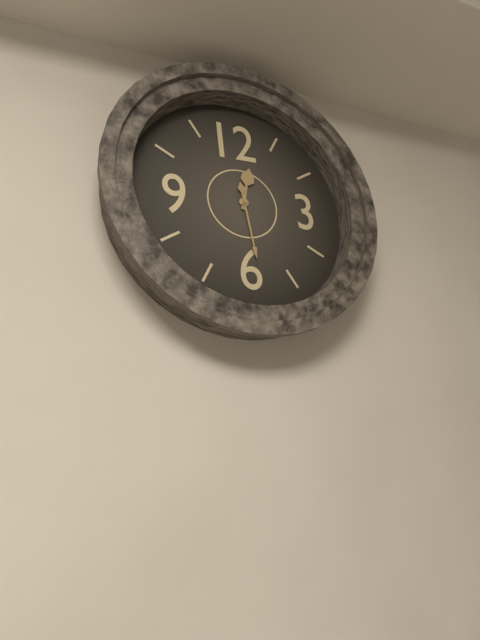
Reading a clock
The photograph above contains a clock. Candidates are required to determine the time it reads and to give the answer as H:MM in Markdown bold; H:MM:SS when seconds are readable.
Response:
**12:29**
